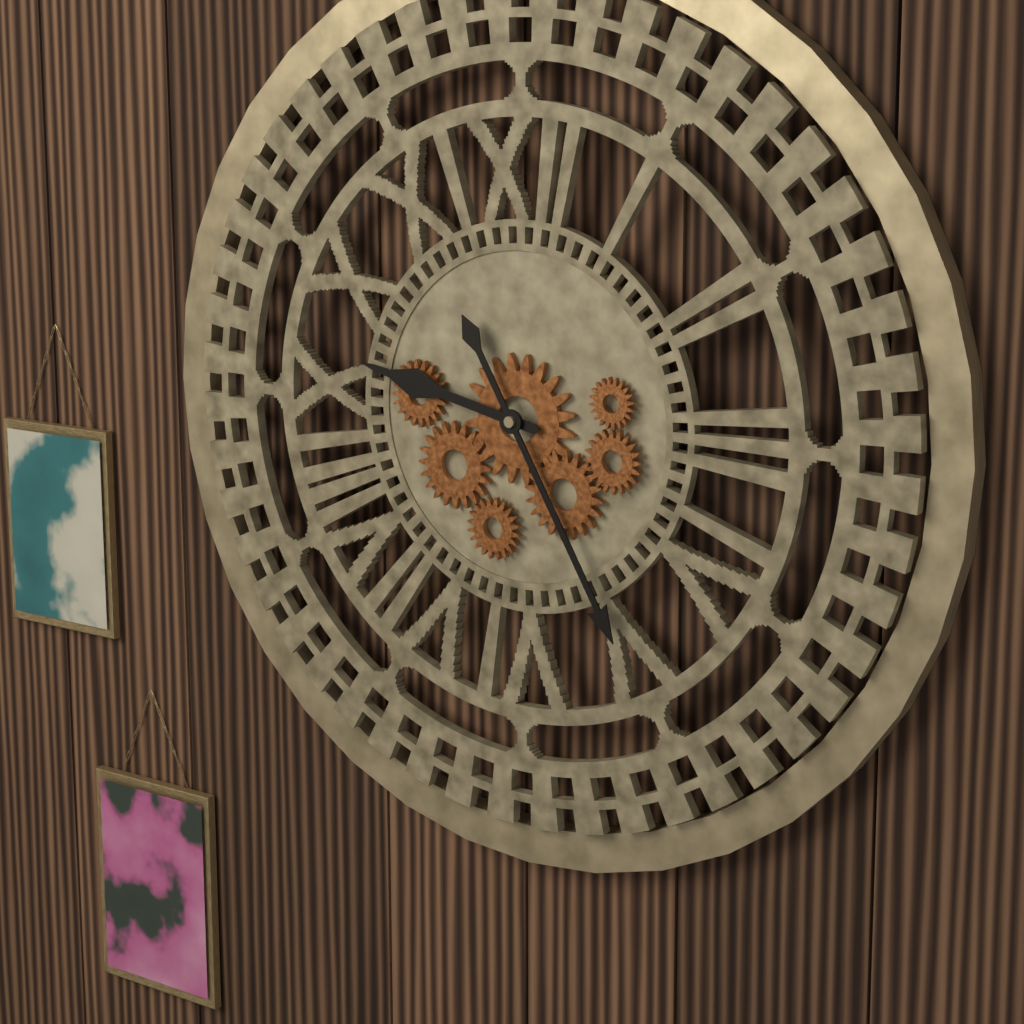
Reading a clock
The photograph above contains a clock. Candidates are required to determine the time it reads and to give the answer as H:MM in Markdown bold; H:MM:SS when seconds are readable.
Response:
**9:25**
